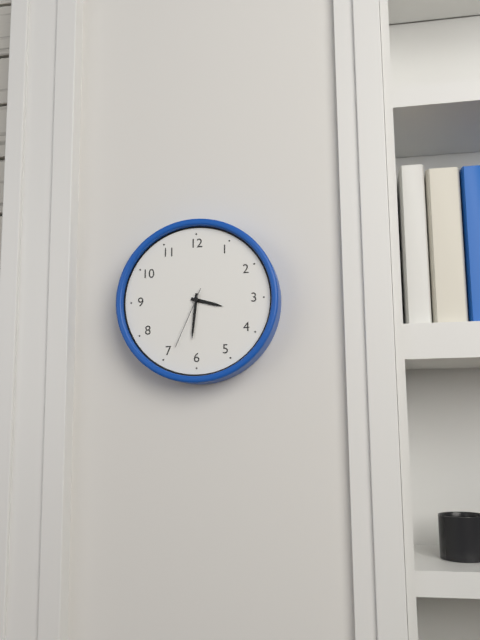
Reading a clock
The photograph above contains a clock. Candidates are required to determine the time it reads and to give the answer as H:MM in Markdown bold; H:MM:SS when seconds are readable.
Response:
**3:31:34**
